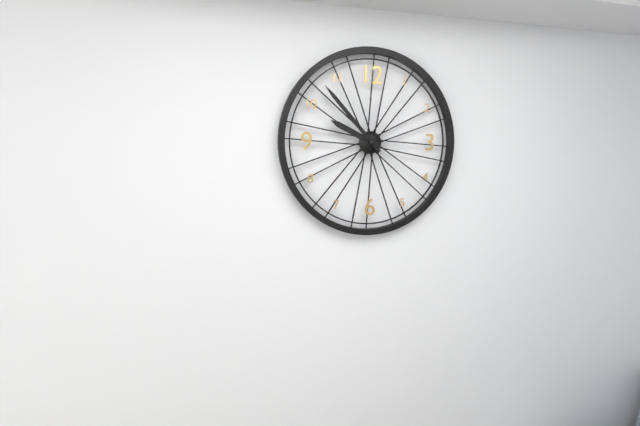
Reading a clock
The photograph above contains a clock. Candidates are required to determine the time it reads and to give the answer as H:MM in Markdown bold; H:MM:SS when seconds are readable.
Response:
**9:53**
